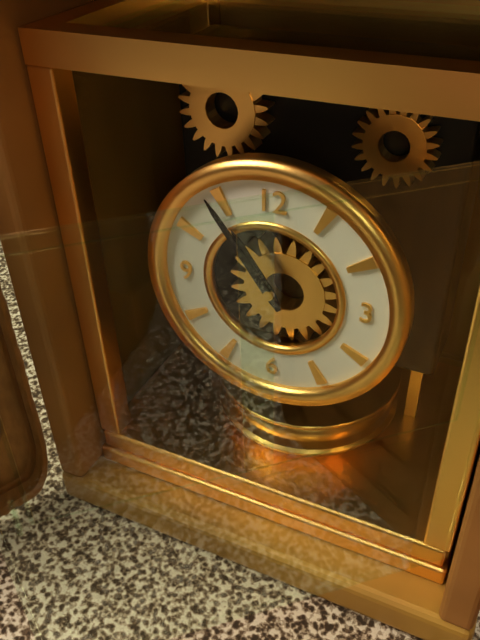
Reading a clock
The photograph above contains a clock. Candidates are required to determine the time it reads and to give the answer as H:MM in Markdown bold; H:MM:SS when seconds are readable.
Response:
**10:54**
